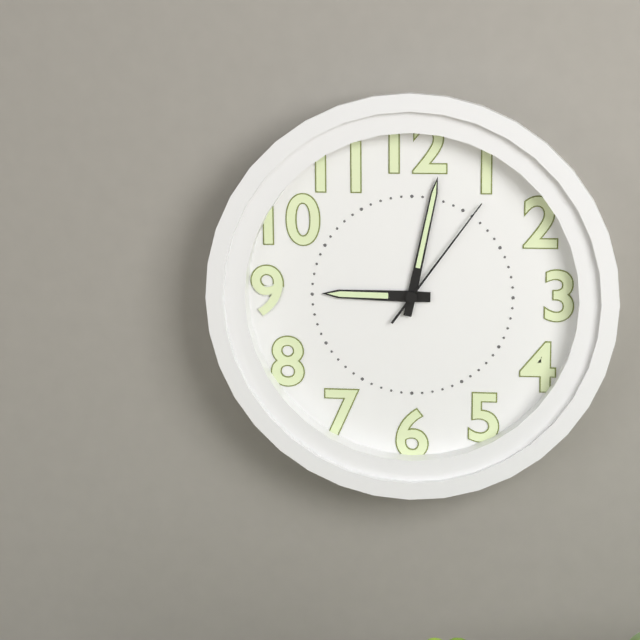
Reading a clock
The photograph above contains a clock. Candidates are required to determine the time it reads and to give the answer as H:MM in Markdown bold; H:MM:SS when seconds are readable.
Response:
**9:02:06**
